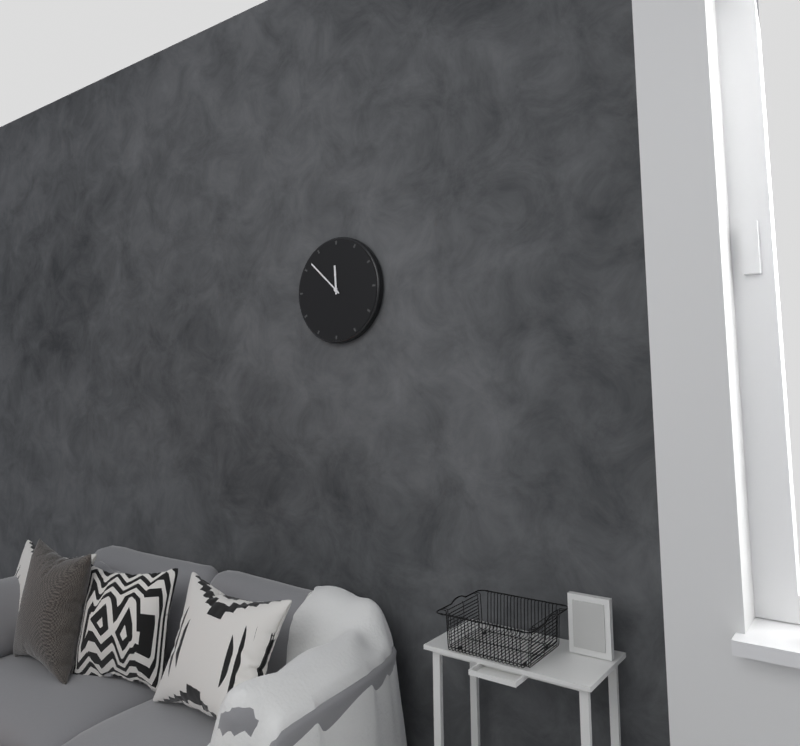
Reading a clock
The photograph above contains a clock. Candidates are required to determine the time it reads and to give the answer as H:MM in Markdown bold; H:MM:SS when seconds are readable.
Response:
**11:52**
